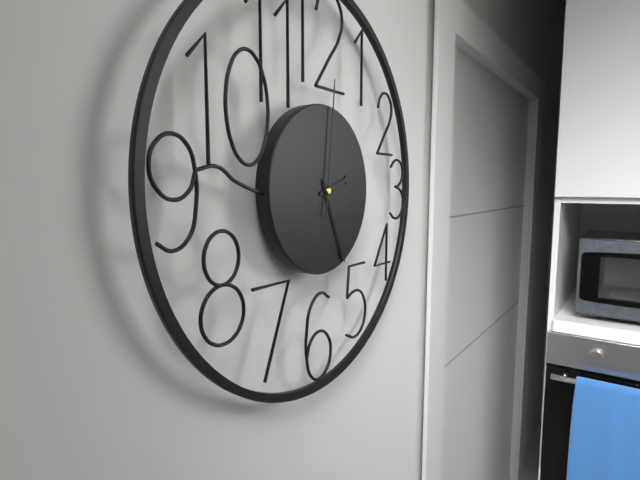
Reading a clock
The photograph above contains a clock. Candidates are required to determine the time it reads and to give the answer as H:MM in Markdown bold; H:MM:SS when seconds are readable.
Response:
**2:26:01**
